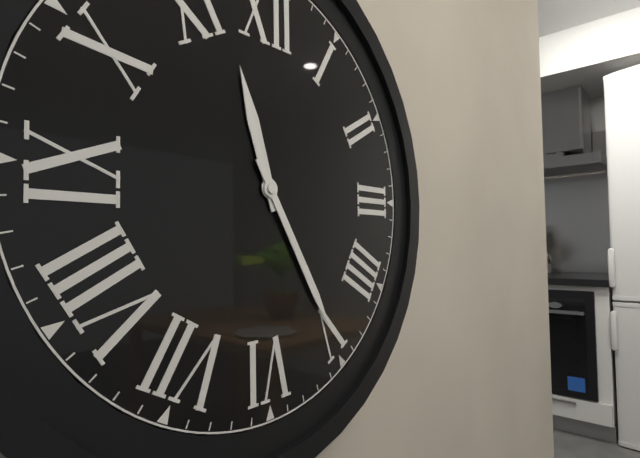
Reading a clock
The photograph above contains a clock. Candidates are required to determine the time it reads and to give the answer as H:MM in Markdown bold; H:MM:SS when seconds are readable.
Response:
**11:25**
